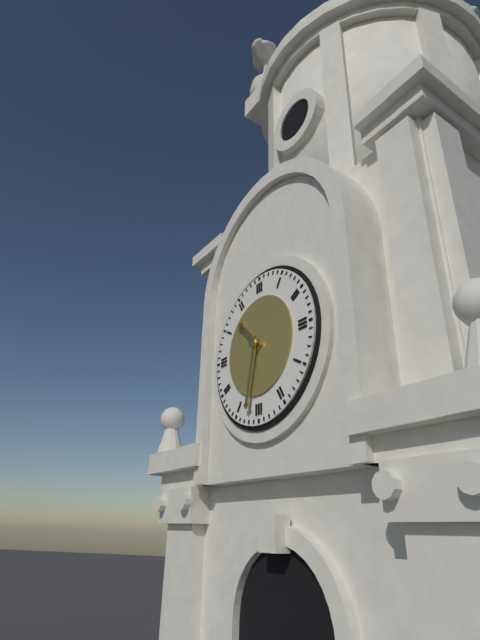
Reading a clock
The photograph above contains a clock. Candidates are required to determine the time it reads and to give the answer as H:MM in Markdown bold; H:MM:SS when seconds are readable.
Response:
**10:32**
